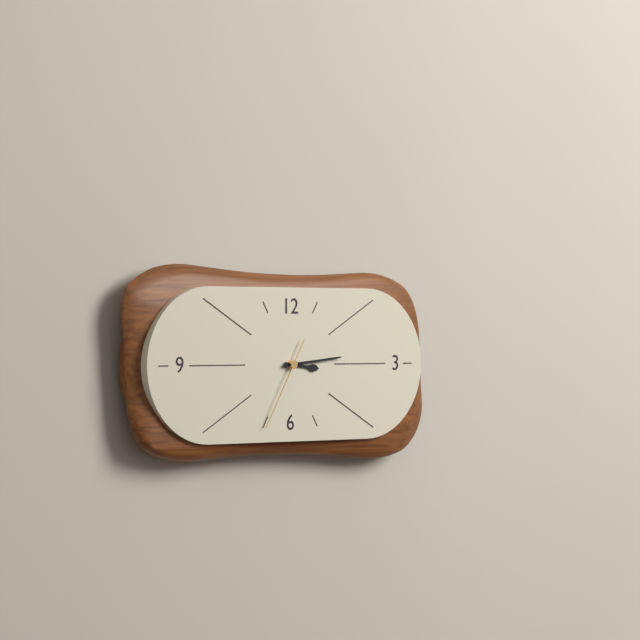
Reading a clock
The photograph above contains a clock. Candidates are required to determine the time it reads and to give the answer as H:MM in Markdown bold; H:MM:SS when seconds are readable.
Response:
**3:14:35**
